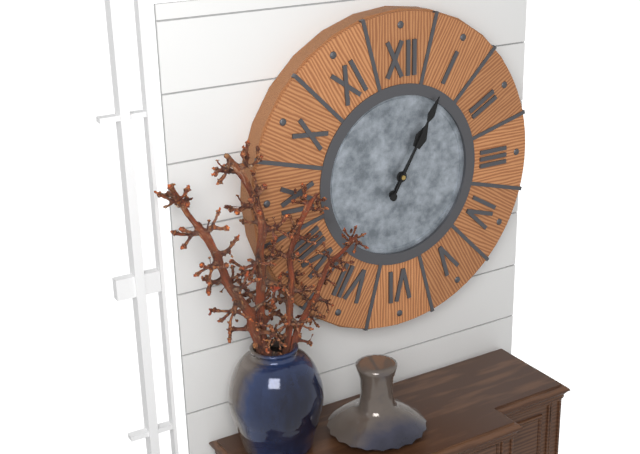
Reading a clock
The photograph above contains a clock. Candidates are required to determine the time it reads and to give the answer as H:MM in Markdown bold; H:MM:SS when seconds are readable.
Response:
**1:05**
